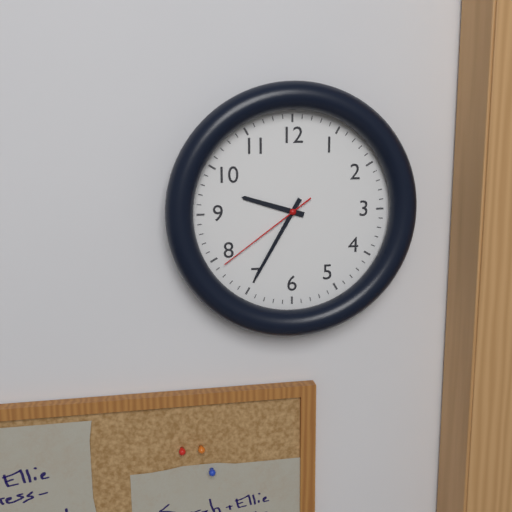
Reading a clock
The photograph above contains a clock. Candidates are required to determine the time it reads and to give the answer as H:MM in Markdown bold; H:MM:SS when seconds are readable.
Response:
**9:35:39**
